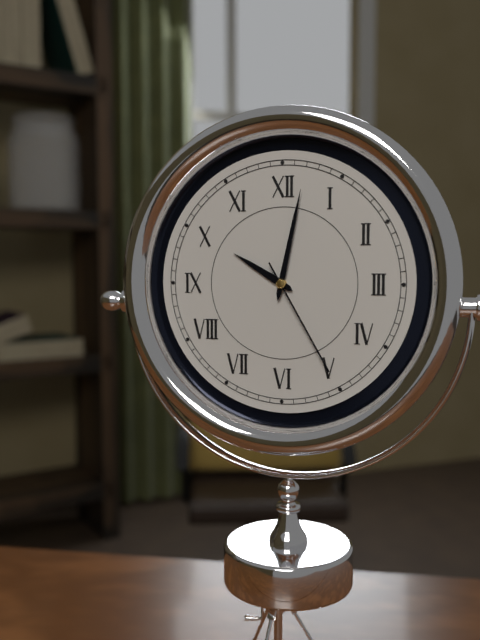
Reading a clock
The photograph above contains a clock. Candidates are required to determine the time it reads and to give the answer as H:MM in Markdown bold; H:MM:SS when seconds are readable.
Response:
**10:02:25**
